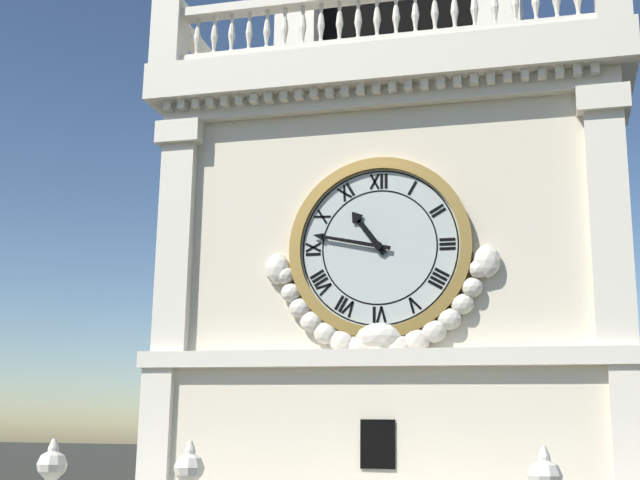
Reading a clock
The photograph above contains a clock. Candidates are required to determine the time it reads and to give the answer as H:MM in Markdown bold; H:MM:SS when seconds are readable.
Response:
**10:47**
